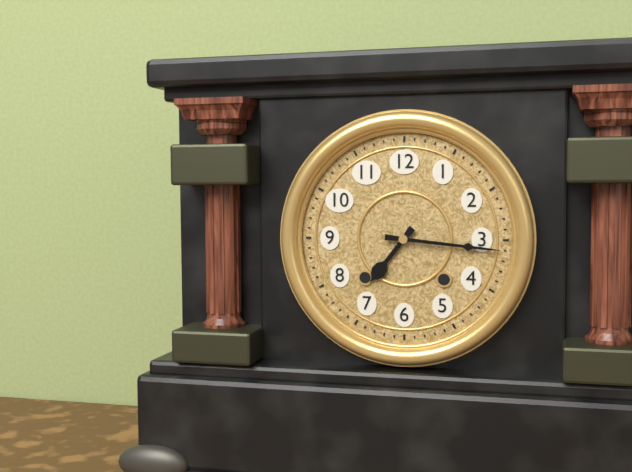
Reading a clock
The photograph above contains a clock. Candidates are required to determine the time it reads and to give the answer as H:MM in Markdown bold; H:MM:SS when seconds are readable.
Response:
**7:16**
